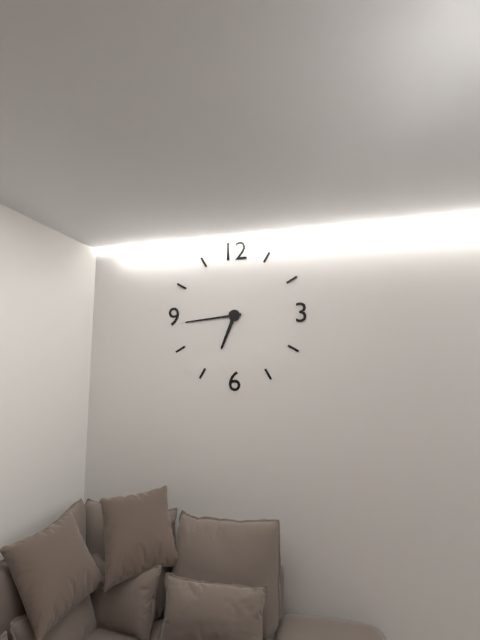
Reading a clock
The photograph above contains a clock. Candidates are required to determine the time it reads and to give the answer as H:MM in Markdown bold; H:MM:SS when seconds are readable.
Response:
**6:44**
